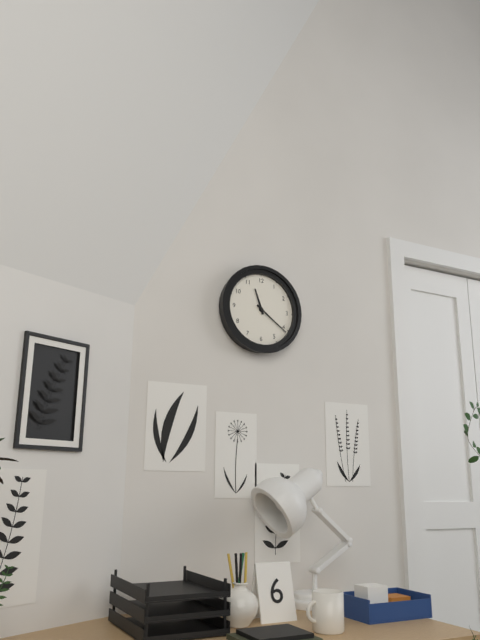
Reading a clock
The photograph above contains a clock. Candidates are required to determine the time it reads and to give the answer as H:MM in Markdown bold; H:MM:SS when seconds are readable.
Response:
**11:21**
